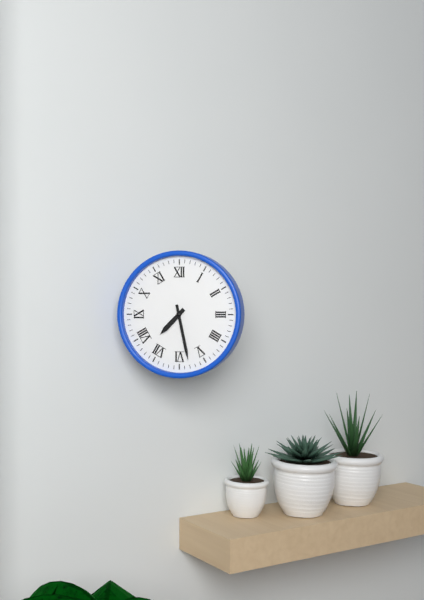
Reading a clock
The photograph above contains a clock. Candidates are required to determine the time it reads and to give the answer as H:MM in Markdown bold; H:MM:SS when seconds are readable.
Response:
**7:28**
